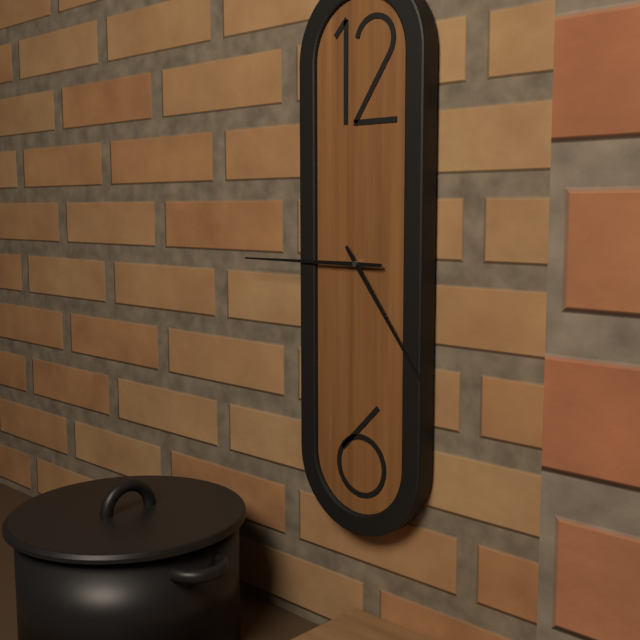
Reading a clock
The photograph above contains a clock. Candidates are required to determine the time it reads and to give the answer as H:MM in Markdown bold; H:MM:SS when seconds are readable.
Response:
**4:45**
